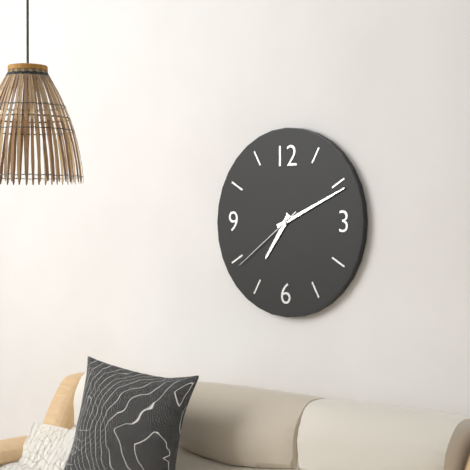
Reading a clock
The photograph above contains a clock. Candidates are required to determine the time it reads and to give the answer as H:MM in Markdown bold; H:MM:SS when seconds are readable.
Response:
**7:11:39**
